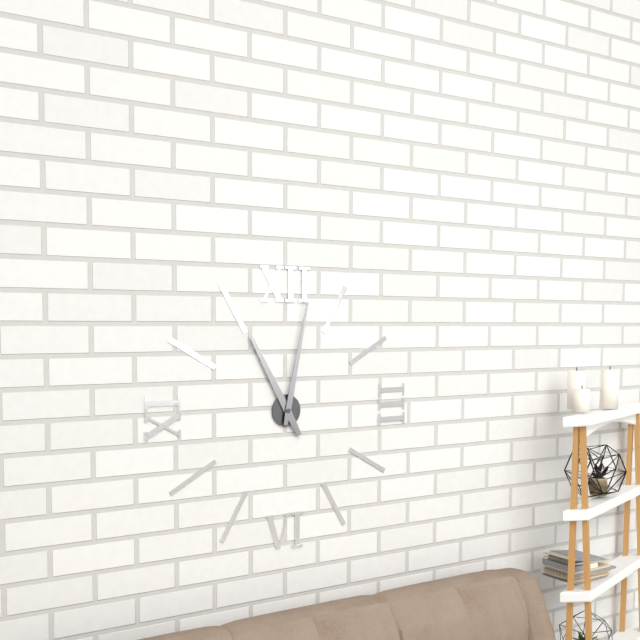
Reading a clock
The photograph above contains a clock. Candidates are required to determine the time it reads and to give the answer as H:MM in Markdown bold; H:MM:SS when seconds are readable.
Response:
**11:02**
